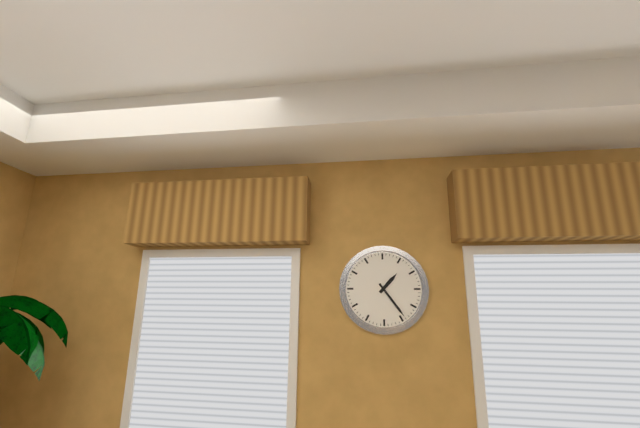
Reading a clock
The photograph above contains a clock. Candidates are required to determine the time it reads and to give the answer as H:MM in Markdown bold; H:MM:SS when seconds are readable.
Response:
**1:24**
